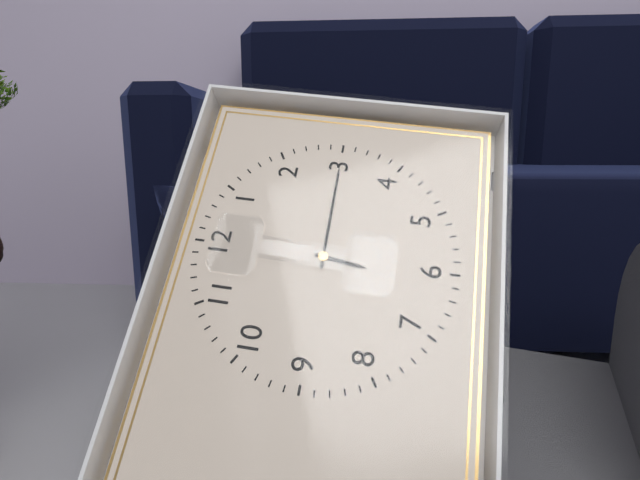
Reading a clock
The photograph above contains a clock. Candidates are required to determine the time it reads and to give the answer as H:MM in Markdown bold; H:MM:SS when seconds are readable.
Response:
**6:15**
